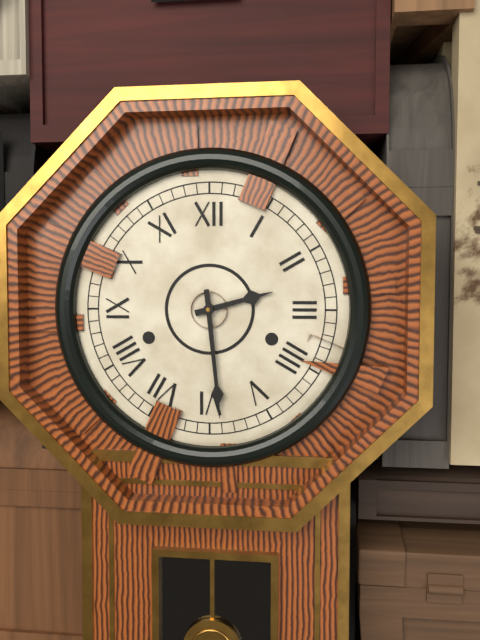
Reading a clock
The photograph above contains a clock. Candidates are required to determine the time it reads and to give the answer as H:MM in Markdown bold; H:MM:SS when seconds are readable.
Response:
**2:29**
